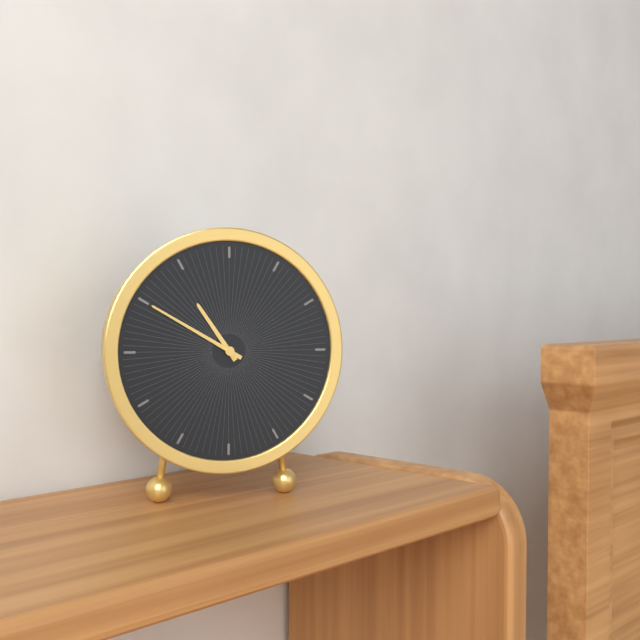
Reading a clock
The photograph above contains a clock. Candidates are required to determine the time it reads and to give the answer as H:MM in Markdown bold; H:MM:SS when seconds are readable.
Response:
**10:50**
